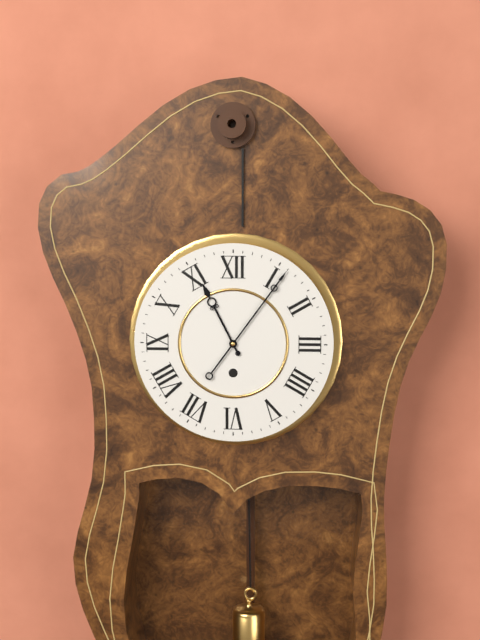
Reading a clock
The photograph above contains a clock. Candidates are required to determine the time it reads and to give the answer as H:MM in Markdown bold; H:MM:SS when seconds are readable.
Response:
**11:06**
